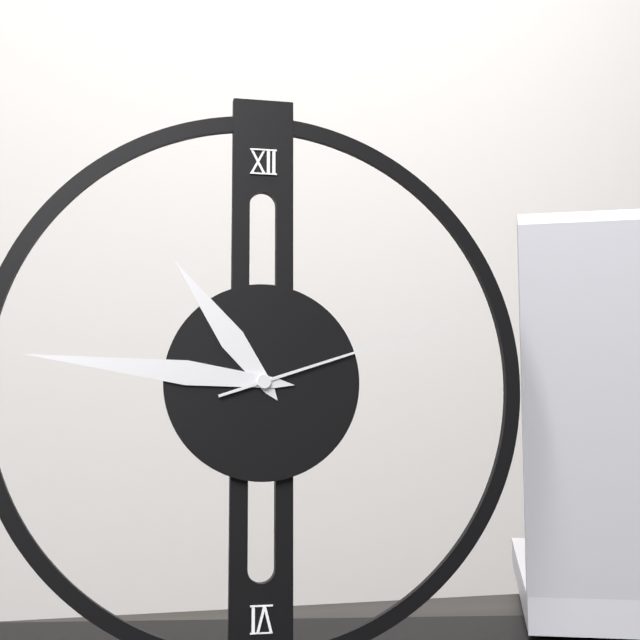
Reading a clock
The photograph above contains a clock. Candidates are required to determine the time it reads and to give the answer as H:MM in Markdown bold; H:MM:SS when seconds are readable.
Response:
**10:46:12**
